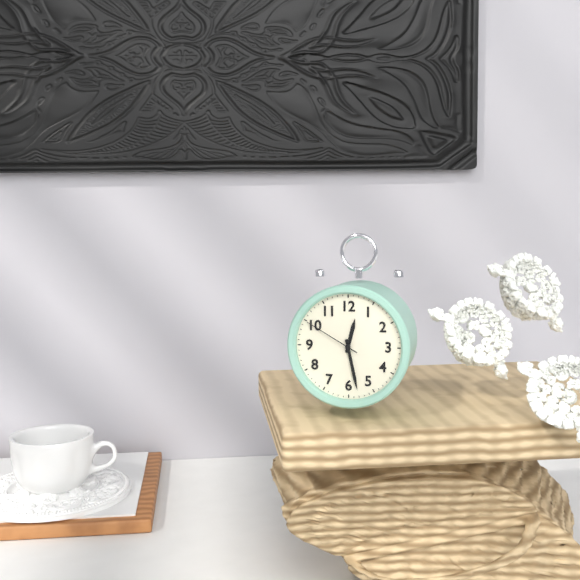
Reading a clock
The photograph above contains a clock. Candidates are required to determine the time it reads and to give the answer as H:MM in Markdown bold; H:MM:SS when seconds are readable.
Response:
**12:28:50**
